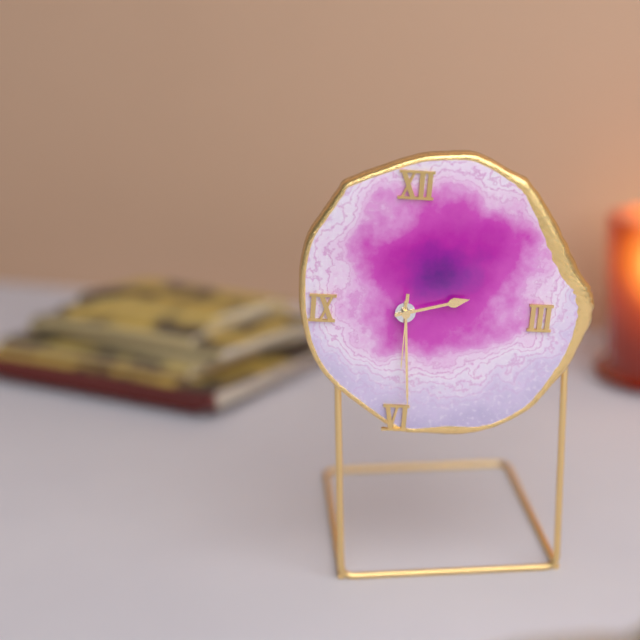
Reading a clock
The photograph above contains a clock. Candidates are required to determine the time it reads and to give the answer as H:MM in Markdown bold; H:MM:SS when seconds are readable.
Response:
**2:29:30**
